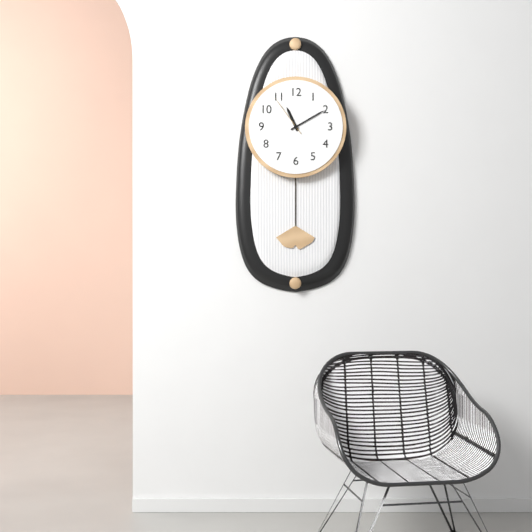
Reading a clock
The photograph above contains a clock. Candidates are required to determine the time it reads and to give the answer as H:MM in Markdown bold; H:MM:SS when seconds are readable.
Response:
**11:10**
